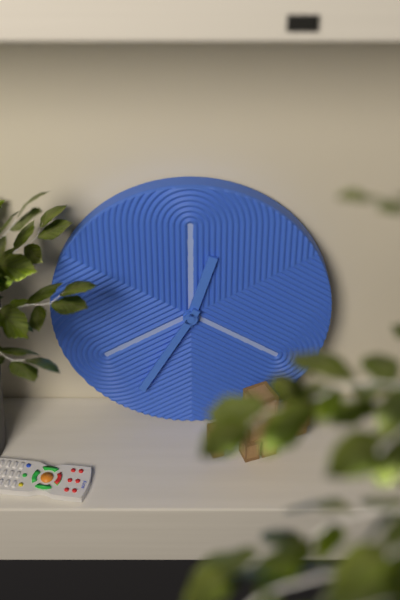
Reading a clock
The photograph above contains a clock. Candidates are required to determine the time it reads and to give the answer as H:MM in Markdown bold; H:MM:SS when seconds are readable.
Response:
**12:35**
